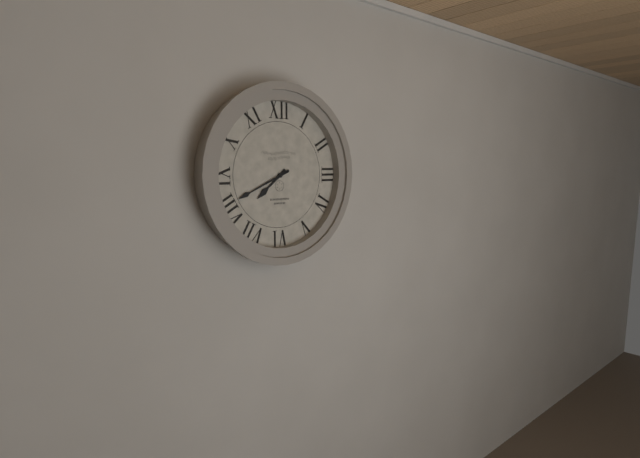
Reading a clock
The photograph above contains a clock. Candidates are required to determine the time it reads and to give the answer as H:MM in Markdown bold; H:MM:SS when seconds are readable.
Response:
**7:41**
